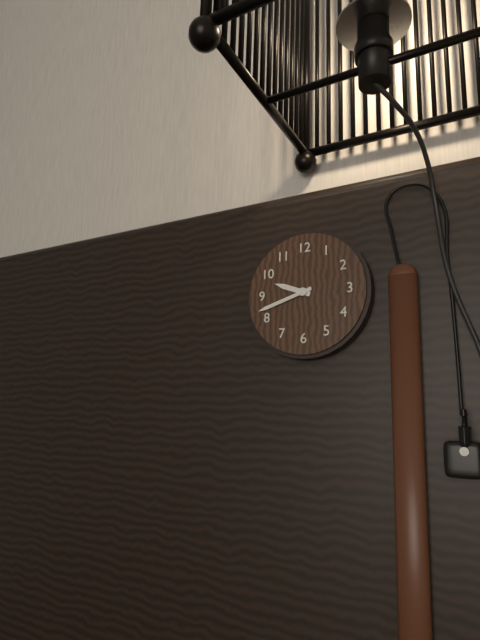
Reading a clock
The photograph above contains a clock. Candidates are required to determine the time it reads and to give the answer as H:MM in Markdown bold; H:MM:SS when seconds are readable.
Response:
**9:42**
